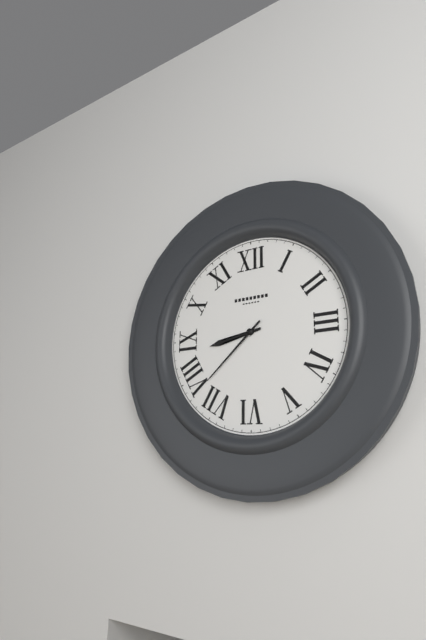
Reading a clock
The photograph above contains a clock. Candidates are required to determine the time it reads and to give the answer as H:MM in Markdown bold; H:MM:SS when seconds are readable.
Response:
**8:38**
